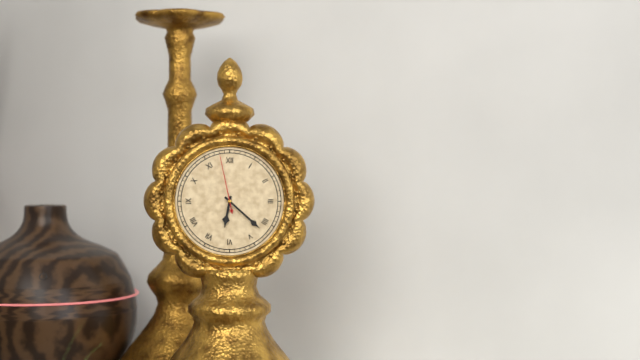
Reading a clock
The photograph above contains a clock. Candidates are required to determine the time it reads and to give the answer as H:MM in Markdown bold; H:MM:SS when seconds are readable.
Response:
**6:22:58**
